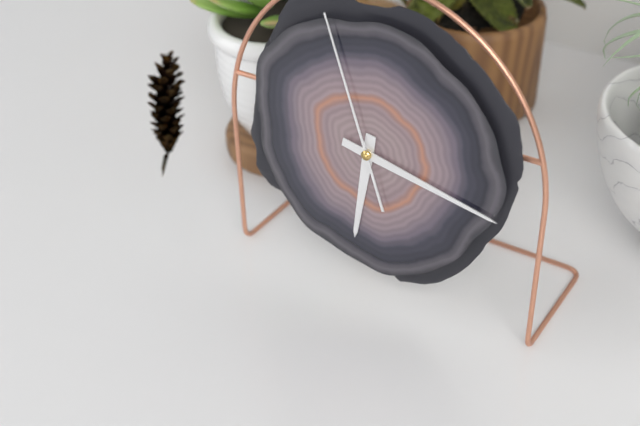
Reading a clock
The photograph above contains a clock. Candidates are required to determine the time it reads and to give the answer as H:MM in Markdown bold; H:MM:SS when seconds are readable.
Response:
**6:17:57**
